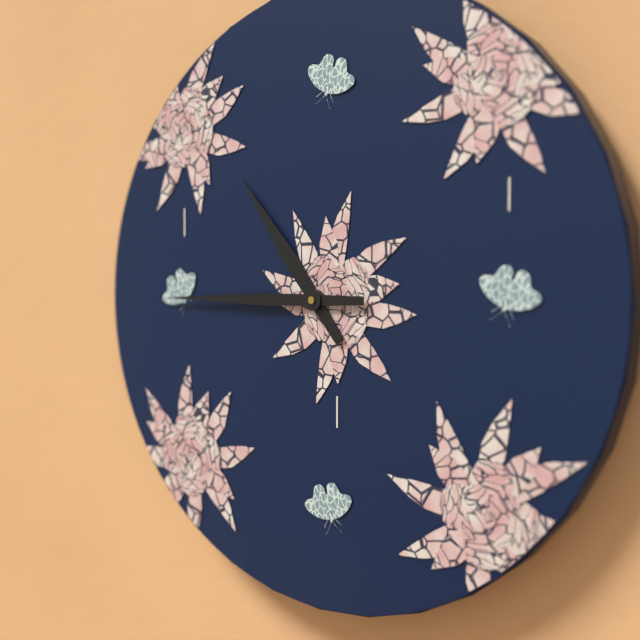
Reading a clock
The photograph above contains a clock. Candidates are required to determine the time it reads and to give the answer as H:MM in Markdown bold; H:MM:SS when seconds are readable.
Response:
**10:45**
